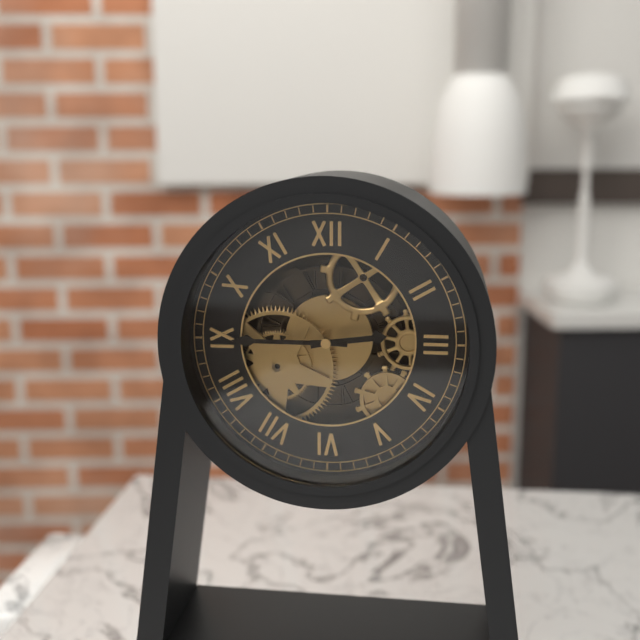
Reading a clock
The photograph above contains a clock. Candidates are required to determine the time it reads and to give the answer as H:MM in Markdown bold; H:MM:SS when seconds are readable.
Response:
**2:45**
